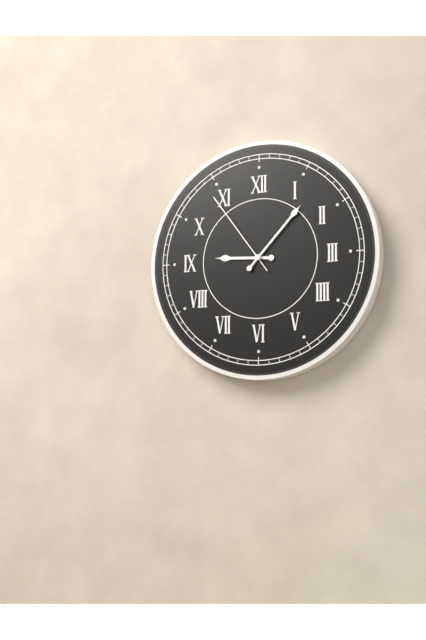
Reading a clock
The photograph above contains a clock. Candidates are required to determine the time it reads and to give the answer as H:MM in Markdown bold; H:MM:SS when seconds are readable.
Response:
**9:07:54**
